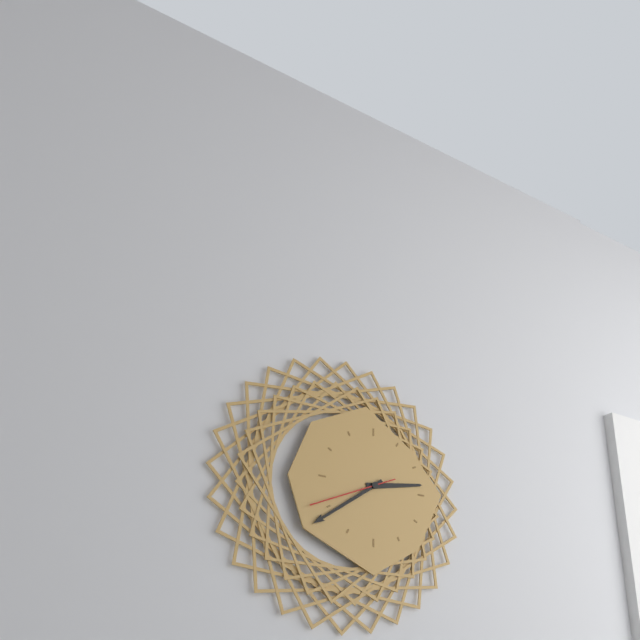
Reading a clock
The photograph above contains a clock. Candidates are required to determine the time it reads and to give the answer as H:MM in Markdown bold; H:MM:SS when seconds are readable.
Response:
**2:39:41**
